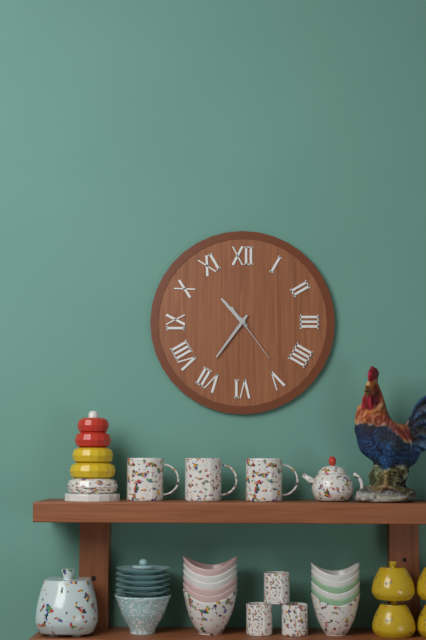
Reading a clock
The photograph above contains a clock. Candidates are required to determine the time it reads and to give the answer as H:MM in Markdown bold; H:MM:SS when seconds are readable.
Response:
**10:36:24**
